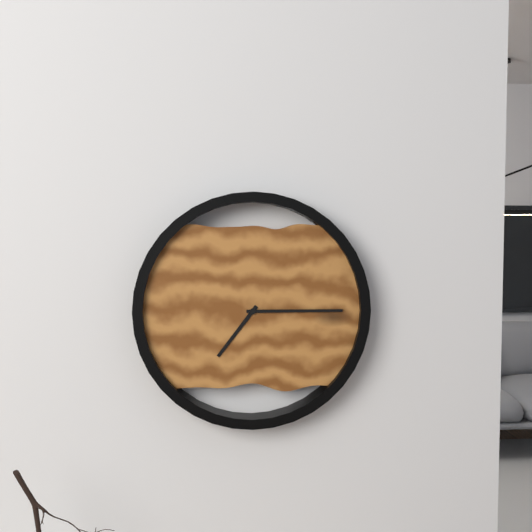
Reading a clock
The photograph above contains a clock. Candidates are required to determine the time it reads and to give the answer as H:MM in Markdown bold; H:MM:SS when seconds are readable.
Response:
**7:15**
